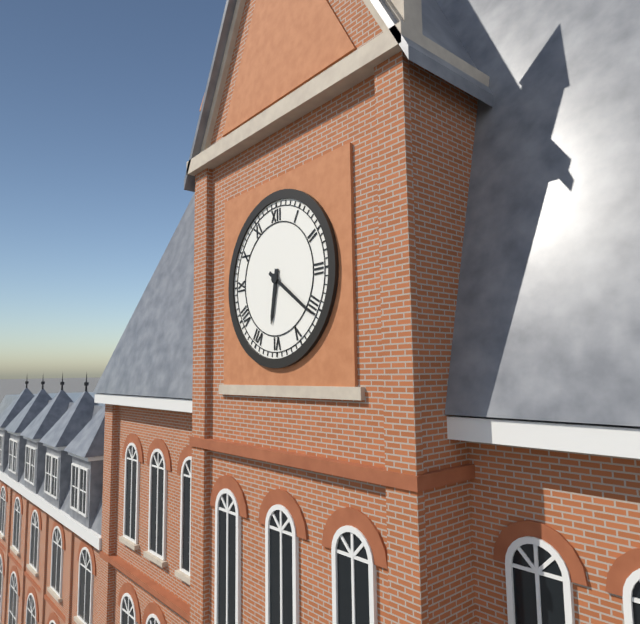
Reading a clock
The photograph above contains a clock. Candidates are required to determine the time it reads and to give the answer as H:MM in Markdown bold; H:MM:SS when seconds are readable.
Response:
**6:21**
